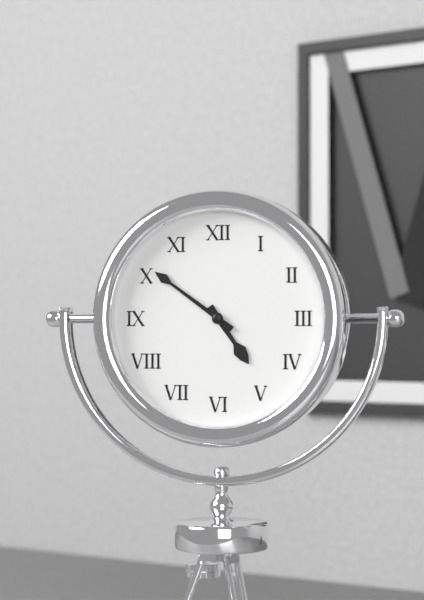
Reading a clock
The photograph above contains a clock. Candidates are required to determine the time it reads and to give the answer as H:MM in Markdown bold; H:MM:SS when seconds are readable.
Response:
**4:51**
